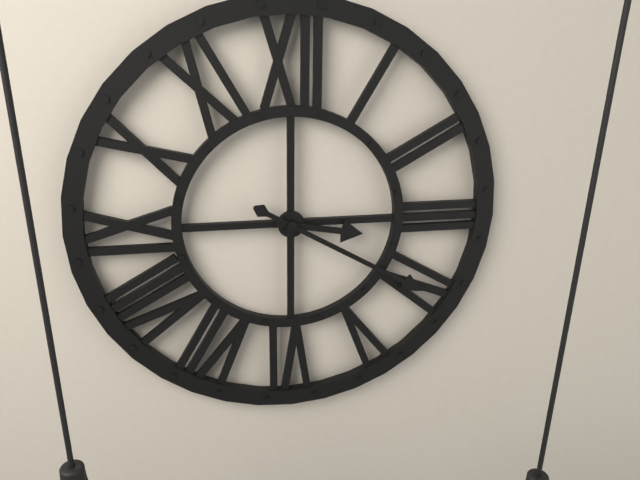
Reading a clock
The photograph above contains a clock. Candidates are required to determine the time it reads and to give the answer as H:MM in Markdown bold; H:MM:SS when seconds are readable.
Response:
**3:20**
